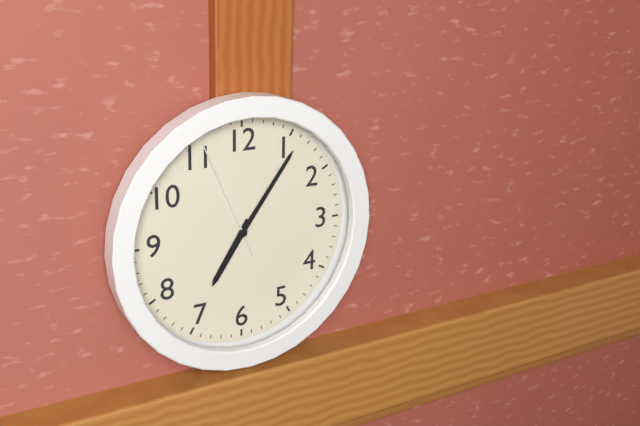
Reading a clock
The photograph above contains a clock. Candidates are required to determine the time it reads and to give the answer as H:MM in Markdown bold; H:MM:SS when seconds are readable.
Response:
**7:06:56**
